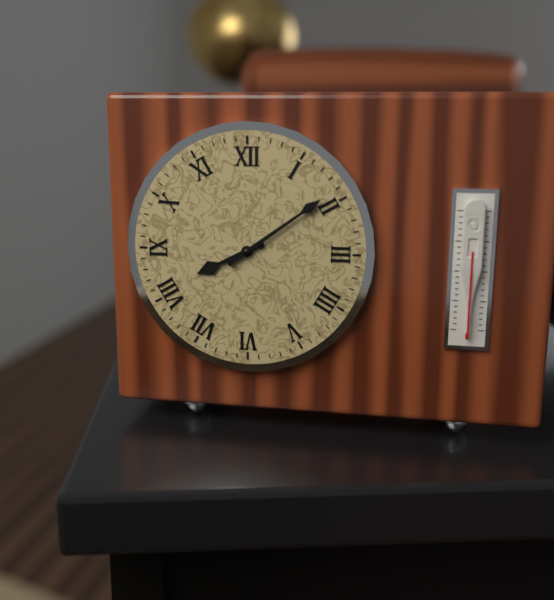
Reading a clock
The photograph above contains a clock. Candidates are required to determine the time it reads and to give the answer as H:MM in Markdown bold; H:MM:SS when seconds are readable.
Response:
**8:09**
